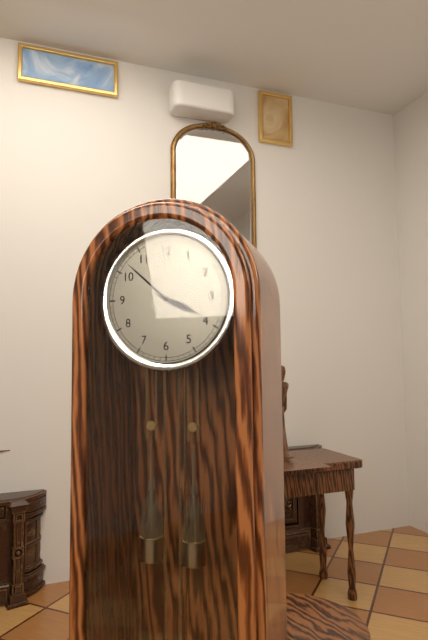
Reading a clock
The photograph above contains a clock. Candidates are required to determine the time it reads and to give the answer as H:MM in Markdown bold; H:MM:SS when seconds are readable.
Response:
**3:52**
